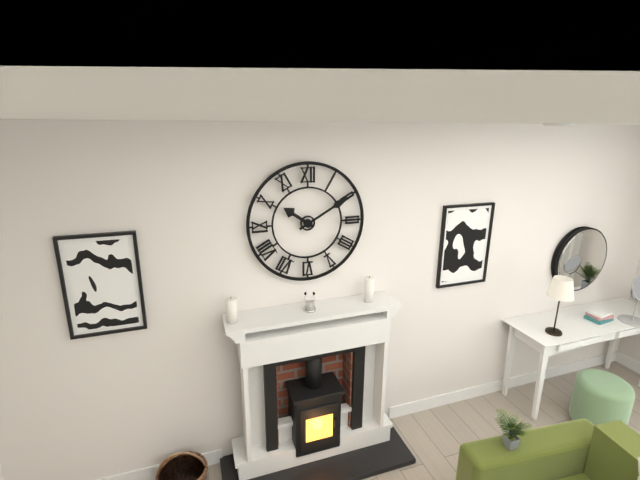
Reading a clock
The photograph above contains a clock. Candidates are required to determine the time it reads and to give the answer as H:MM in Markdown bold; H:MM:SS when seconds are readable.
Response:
**10:10**
